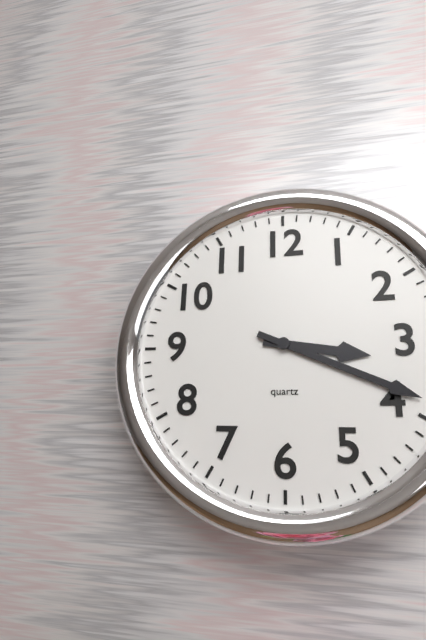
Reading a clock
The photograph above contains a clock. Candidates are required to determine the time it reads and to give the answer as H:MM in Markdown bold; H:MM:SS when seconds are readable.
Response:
**3:19**
